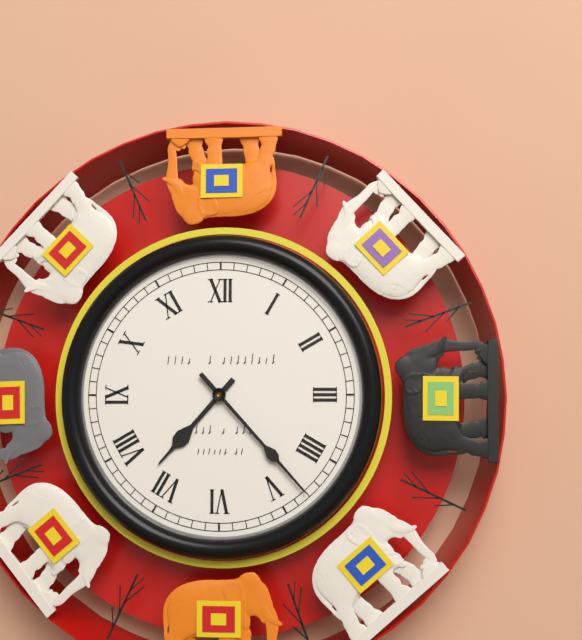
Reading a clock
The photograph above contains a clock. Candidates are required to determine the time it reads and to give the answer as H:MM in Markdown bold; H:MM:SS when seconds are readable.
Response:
**7:23**
